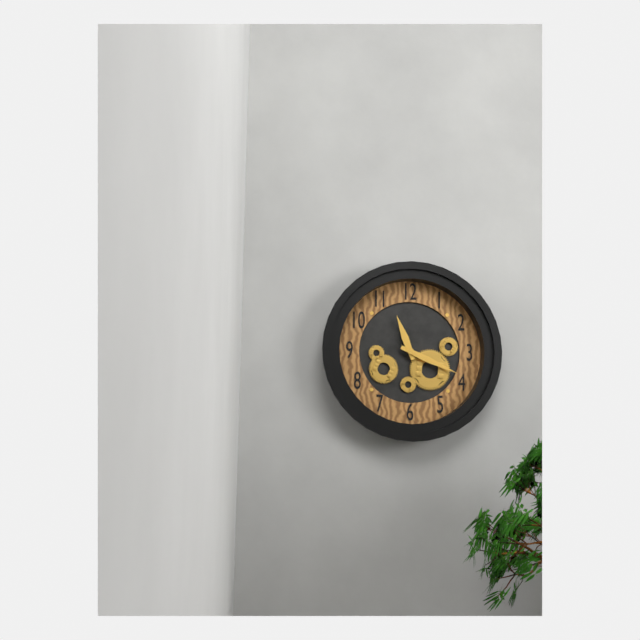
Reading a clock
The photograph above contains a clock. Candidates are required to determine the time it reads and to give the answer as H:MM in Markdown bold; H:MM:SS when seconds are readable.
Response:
**11:19**
